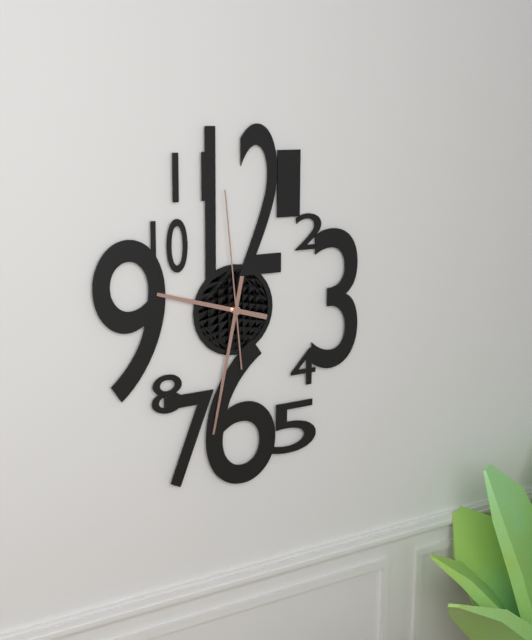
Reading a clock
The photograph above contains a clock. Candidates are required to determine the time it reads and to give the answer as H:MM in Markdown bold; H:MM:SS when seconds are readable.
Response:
**9:32:59**
